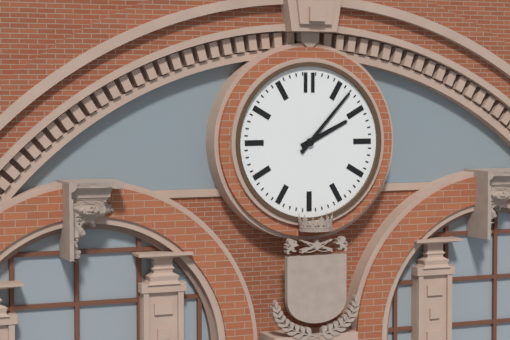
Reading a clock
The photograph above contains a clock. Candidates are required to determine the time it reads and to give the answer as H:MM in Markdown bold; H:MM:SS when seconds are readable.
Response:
**2:07**
